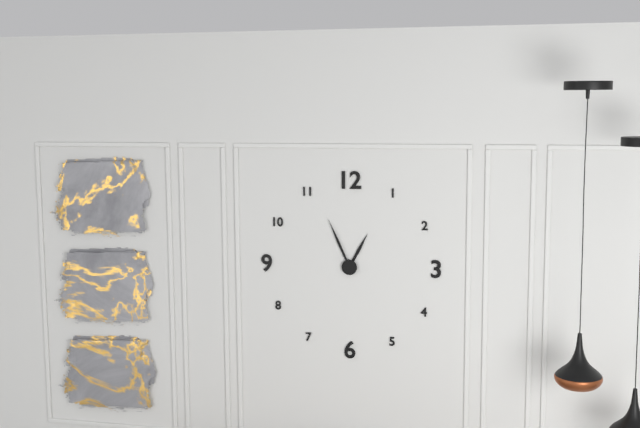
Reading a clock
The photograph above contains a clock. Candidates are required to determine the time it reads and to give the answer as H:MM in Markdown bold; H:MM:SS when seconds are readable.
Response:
**12:56**
